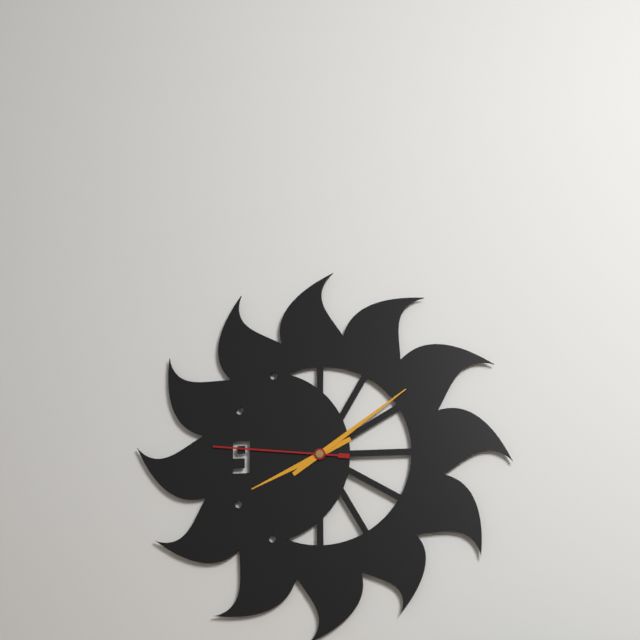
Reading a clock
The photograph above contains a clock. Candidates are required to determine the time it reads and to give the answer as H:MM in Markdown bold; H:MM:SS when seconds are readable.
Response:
**8:09:46**
